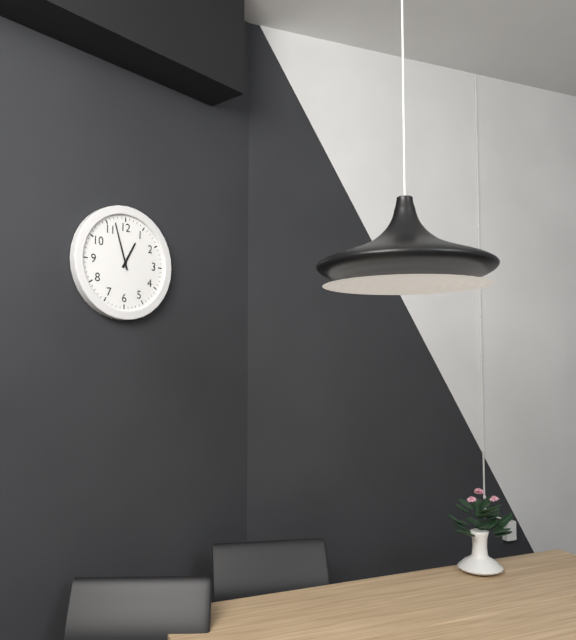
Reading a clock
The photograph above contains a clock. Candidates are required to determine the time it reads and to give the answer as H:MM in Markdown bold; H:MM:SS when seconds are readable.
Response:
**12:57**
